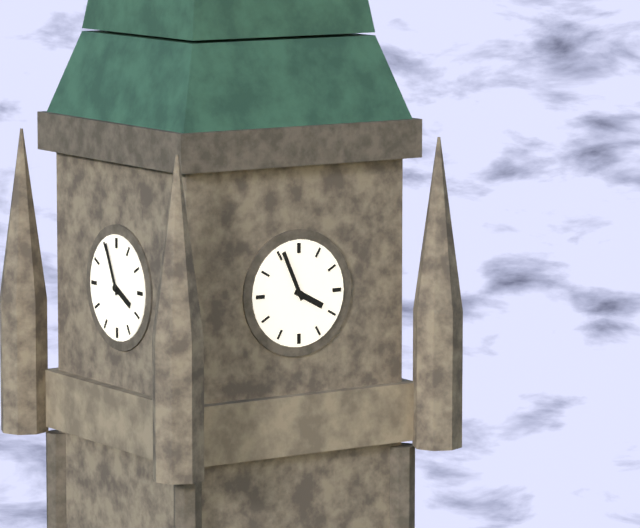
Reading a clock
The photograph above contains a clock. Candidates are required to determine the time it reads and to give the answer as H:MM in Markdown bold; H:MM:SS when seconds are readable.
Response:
**3:56**
